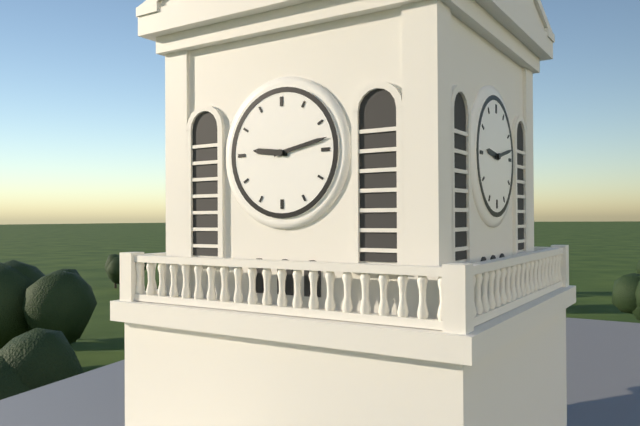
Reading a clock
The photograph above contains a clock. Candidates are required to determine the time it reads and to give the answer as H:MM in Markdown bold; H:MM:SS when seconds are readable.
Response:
**9:13**
